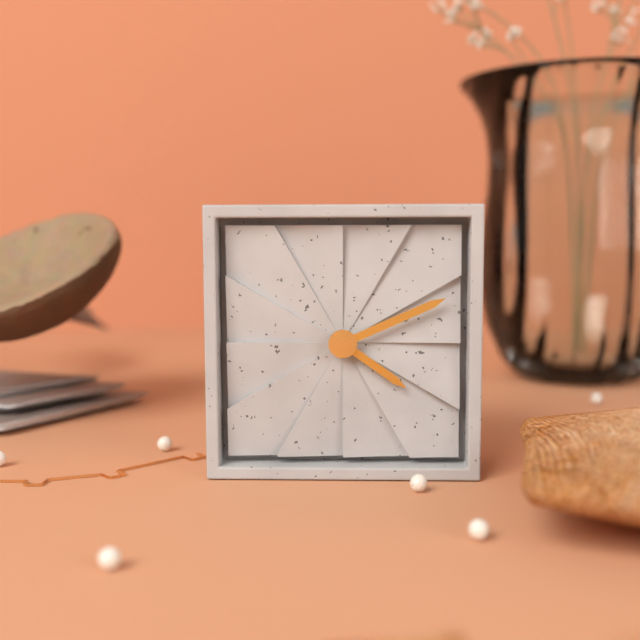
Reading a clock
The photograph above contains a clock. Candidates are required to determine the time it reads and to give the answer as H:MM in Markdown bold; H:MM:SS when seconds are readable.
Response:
**4:11**
